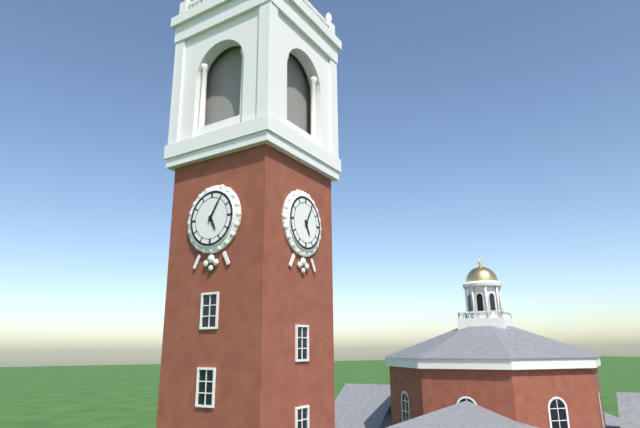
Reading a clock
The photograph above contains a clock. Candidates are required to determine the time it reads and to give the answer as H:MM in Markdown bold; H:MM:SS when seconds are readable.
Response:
**5:05**
